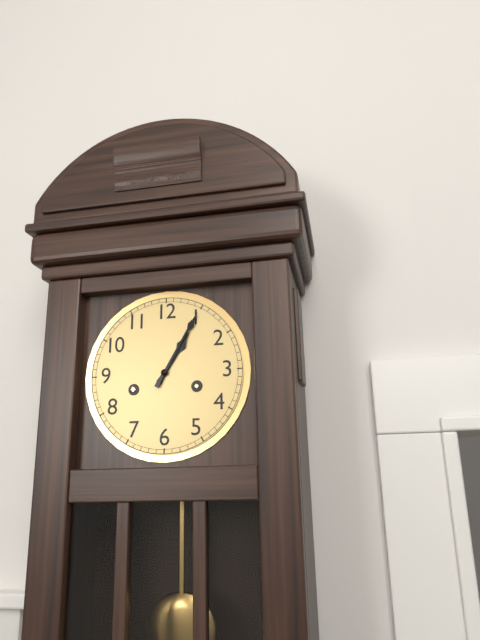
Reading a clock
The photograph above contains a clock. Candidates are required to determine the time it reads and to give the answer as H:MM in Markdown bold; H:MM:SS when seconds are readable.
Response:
**1:05**
